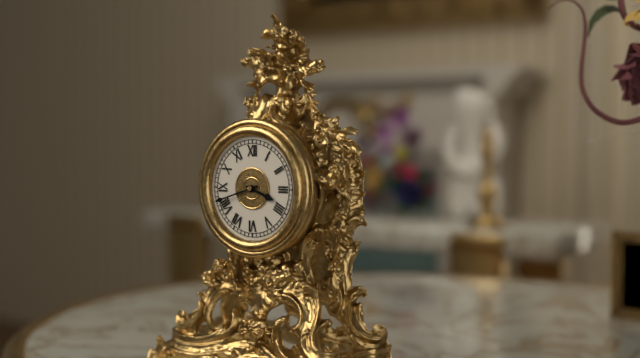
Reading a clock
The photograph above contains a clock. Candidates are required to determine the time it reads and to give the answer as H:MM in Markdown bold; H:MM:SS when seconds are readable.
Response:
**3:42**
